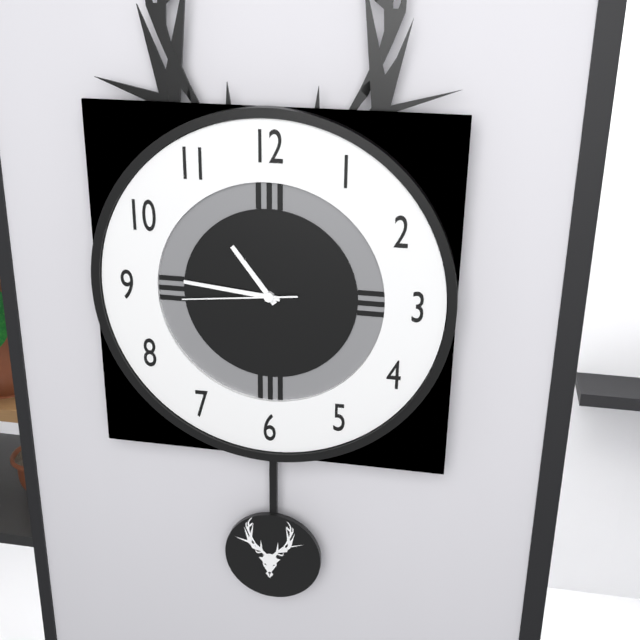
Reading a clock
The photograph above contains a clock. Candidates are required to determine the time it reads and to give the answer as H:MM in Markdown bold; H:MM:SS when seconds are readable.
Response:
**10:46:44**
